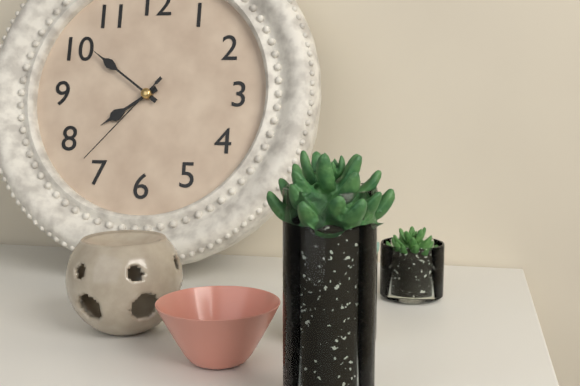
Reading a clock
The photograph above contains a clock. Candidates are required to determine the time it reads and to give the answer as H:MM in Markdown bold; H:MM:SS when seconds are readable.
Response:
**7:51:37**
